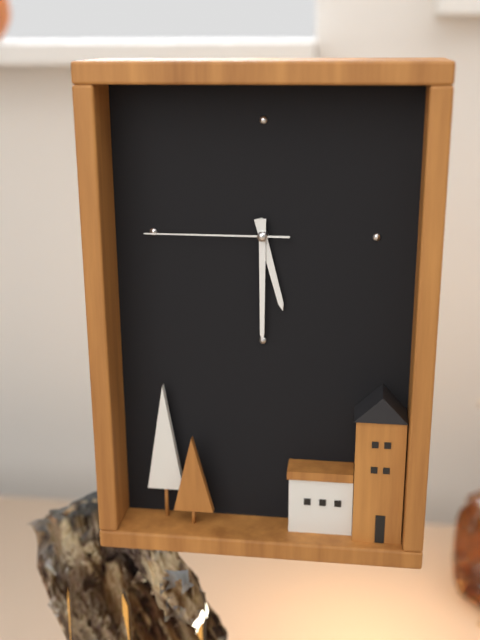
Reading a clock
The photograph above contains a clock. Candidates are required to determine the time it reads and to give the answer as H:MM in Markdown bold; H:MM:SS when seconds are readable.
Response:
**5:30:45**
